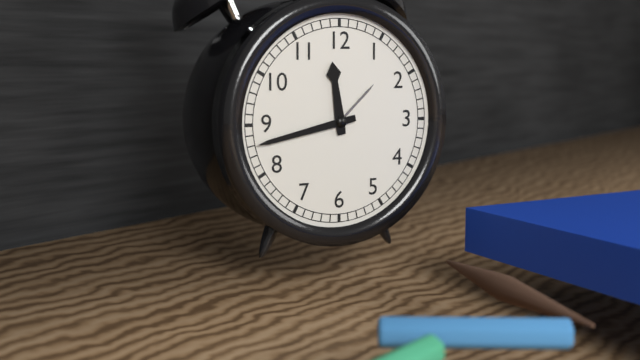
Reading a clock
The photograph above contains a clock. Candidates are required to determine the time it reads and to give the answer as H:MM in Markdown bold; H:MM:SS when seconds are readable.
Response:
**11:43**
